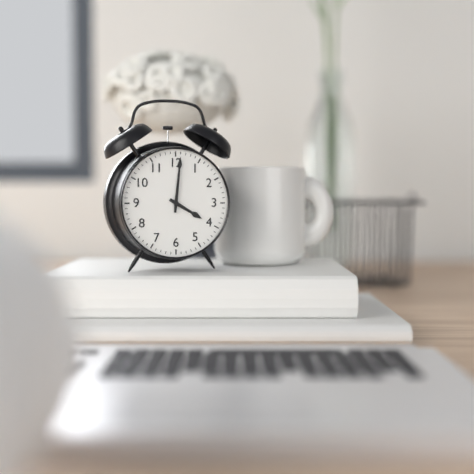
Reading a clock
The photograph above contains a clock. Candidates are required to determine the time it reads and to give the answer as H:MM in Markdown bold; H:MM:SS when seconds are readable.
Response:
**4:01**
